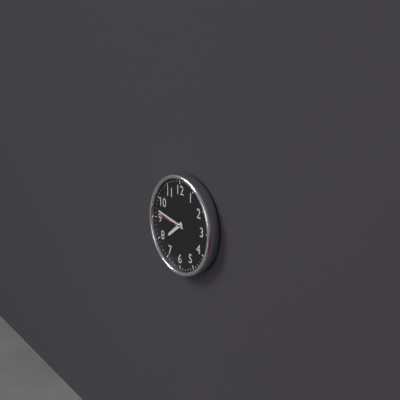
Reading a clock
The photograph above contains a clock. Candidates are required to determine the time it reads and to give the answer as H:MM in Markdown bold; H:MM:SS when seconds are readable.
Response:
**7:47**
